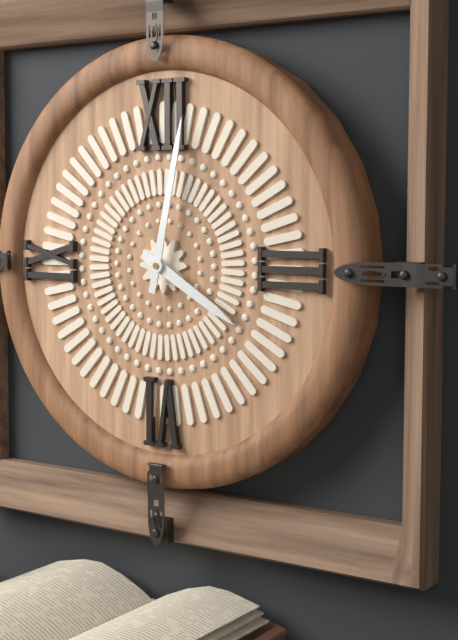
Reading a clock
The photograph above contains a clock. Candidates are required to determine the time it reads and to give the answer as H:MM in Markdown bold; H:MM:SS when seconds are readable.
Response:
**4:02**
